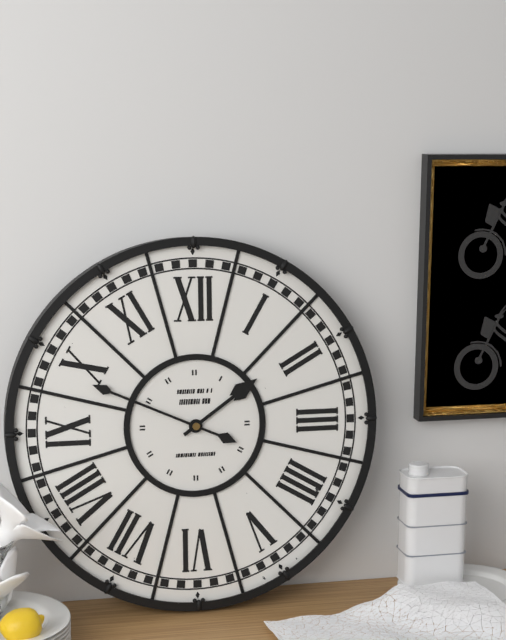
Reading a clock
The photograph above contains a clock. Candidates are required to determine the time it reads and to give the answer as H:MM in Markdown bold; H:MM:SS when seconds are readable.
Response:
**1:49**
